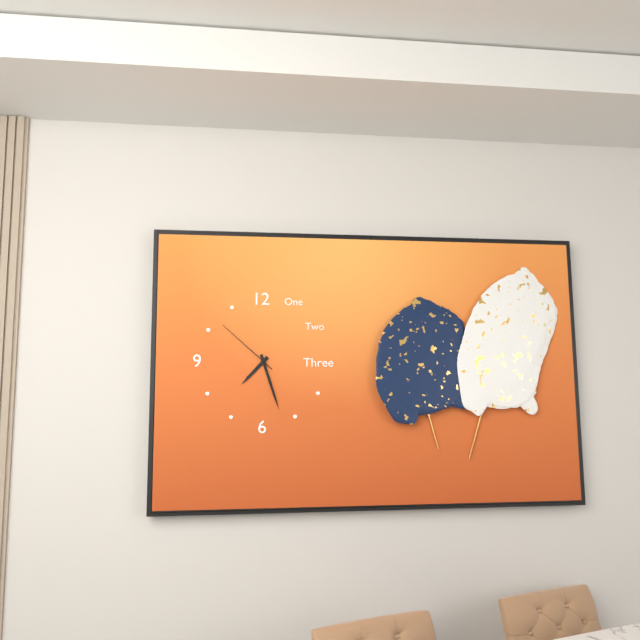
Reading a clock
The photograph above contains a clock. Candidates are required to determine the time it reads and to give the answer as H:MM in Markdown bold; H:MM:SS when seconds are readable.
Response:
**7:27:52**
